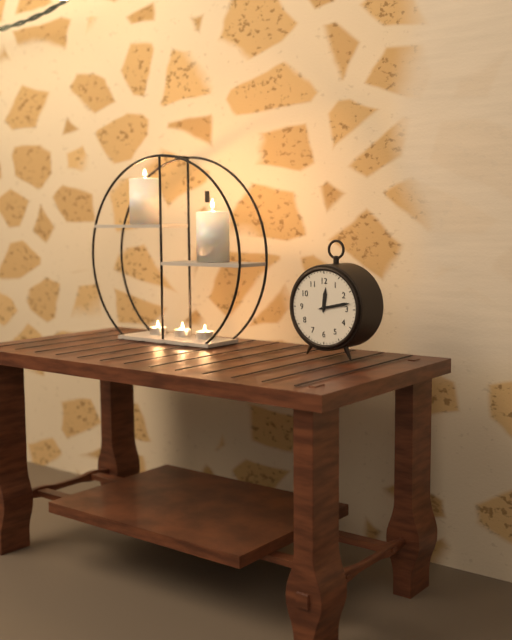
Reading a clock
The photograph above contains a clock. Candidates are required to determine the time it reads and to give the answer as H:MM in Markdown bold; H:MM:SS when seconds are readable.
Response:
**12:13**
